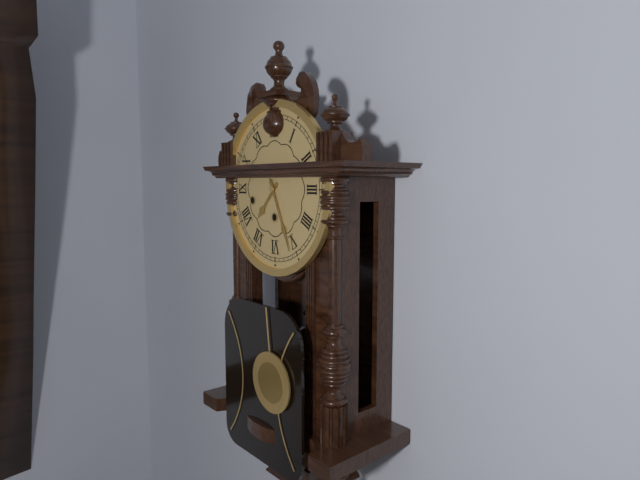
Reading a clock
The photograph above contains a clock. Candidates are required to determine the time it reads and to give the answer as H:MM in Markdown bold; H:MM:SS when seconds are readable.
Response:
**7:26**
